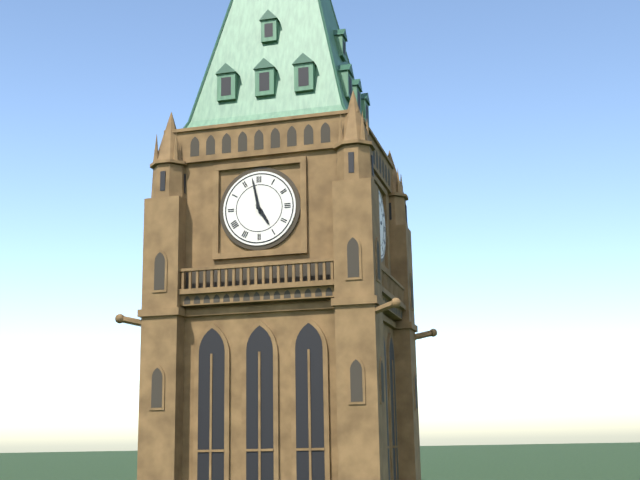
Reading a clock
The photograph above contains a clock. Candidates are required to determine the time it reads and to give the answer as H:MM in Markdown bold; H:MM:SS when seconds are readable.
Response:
**4:58**
